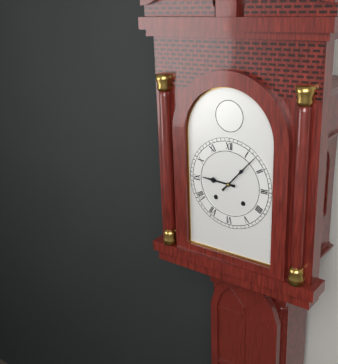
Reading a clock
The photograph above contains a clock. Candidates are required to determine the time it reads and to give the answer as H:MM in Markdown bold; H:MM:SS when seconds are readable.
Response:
**9:07**
